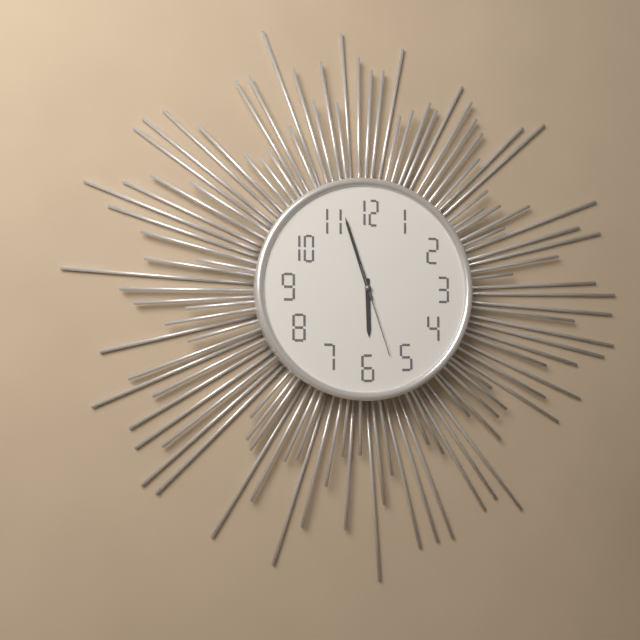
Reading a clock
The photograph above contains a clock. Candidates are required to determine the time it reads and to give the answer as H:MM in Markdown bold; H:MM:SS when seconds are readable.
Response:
**5:57:27**
